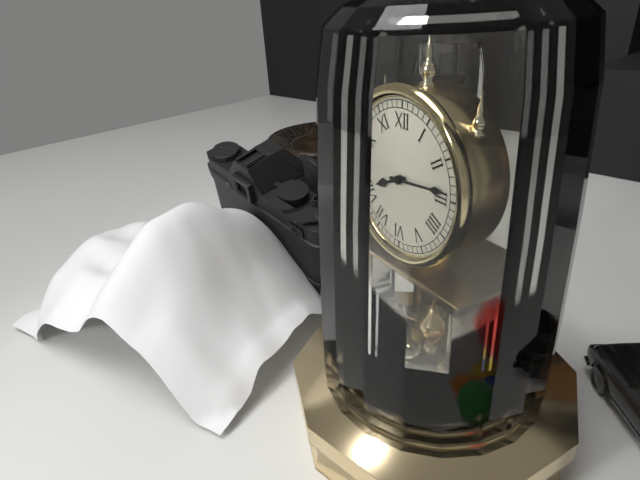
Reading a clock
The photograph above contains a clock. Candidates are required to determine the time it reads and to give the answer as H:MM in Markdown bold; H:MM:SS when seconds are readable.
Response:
**8:14**
